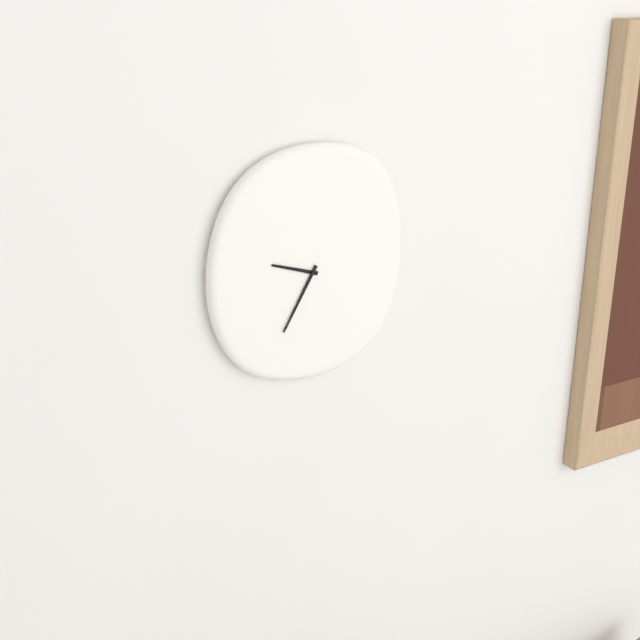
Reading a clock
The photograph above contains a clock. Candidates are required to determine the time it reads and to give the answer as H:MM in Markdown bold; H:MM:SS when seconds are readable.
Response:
**9:35**
